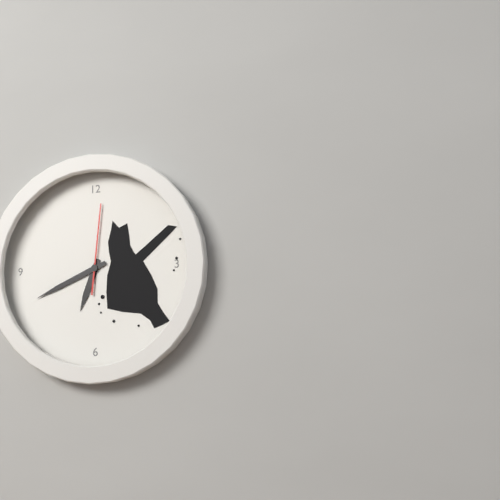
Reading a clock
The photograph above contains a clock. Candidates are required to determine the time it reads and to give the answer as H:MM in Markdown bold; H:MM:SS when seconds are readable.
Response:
**6:41:01**
